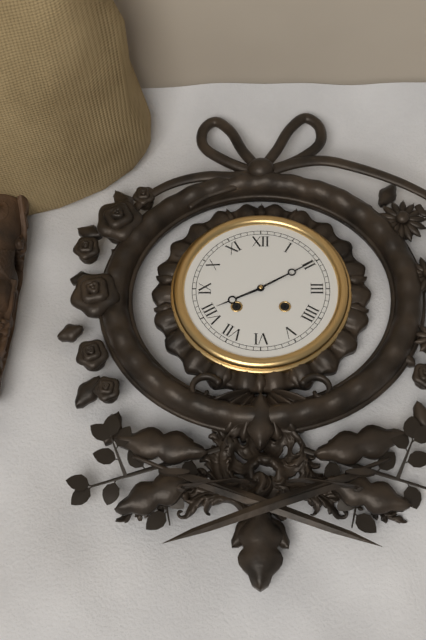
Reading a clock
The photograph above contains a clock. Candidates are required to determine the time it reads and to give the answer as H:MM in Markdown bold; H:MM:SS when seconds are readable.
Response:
**8:10**
